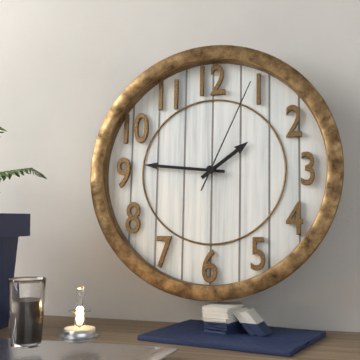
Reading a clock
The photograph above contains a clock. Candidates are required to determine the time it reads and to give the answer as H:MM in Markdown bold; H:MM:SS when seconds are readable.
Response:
**1:46:04**
